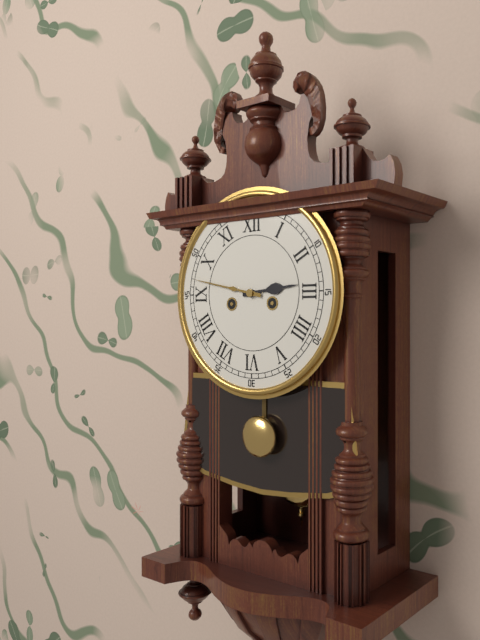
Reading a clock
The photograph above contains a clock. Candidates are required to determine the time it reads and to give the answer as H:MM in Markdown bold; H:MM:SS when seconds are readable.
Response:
**2:47**
